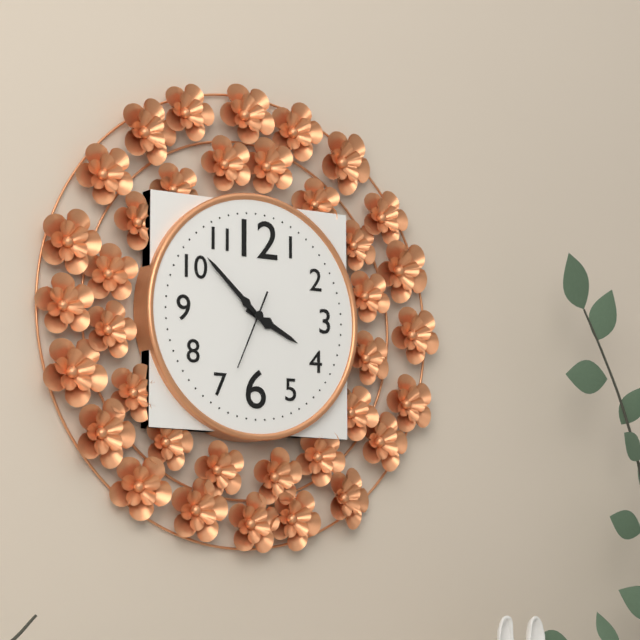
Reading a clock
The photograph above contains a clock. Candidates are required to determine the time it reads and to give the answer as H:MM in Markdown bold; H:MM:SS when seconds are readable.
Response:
**3:52:34**
